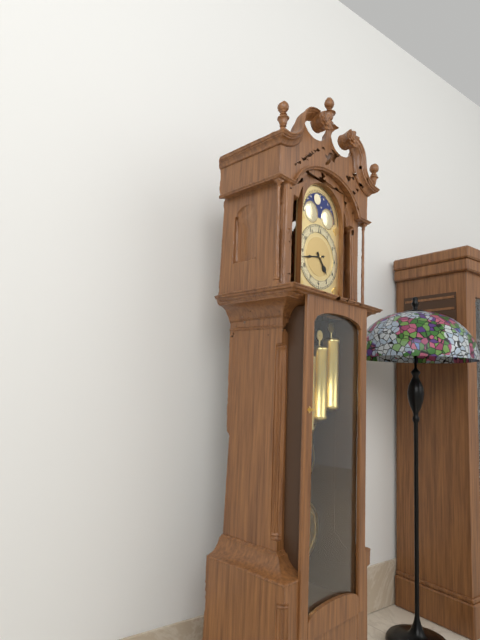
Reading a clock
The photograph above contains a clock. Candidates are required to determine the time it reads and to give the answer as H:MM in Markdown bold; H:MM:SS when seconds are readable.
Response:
**4:43**
